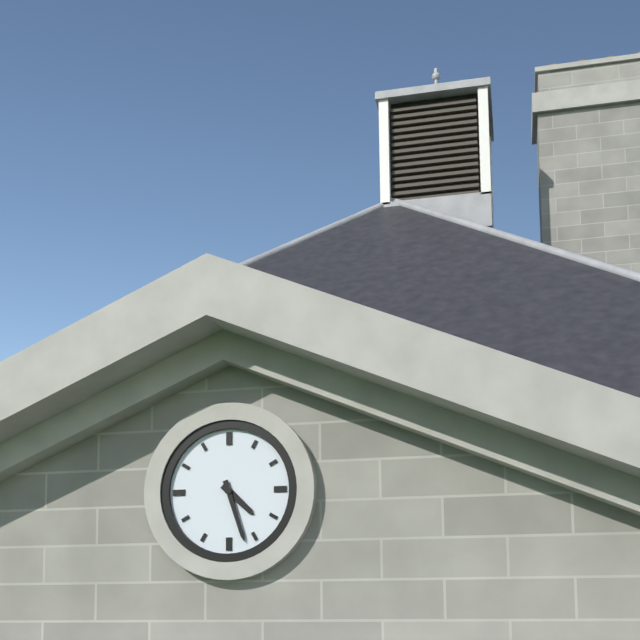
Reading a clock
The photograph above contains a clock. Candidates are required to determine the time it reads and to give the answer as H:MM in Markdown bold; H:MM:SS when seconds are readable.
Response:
**4:27**
